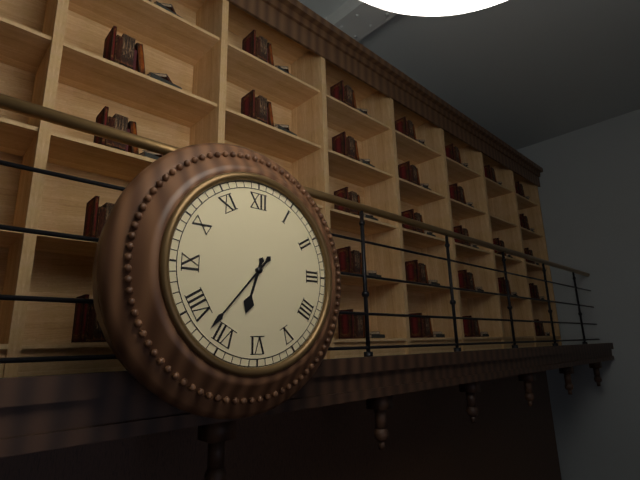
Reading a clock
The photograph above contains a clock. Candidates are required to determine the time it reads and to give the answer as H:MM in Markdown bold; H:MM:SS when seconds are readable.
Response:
**6:37**
